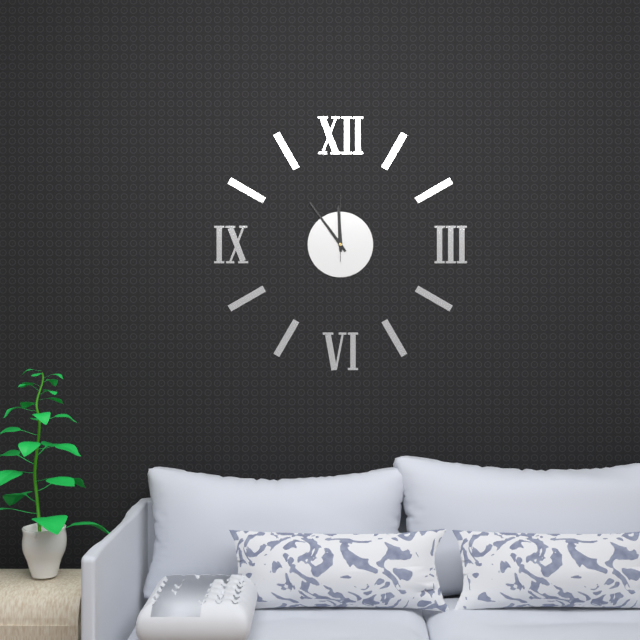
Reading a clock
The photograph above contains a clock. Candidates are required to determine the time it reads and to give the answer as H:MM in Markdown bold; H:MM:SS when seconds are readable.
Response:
**11:54:00**
